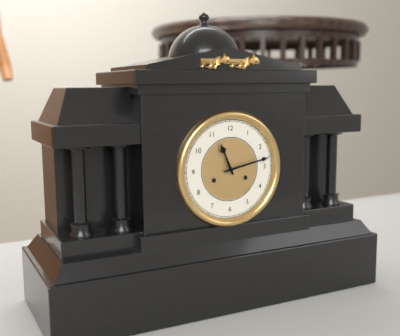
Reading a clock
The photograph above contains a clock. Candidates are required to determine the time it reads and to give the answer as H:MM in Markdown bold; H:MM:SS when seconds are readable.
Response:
**11:13**
